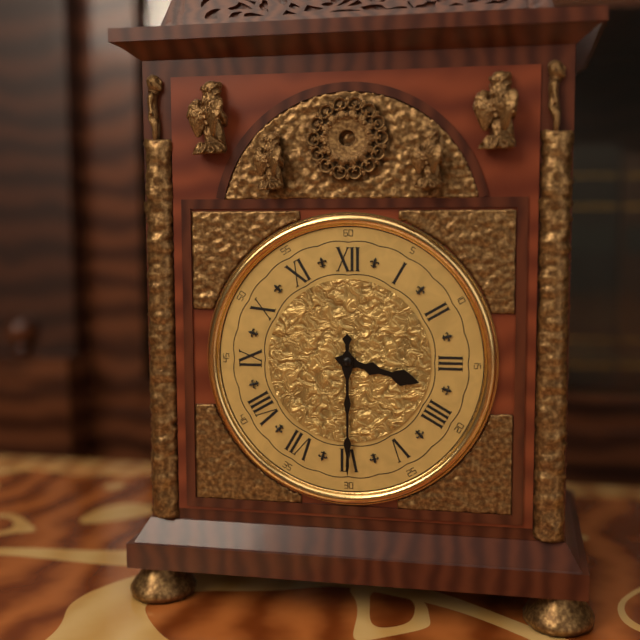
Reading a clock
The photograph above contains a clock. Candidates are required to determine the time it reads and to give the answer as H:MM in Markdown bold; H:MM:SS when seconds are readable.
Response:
**3:30**
